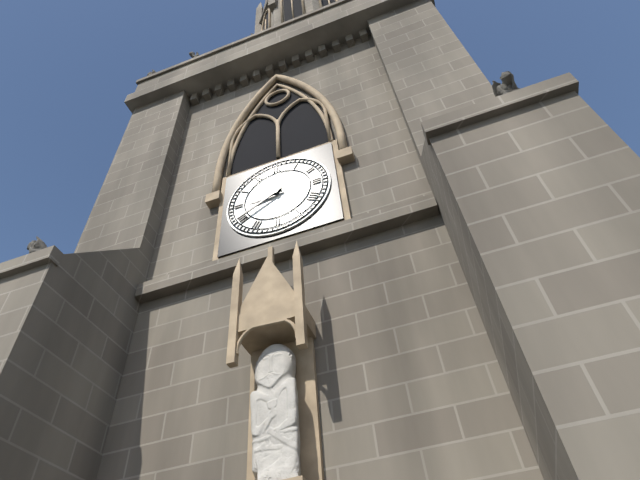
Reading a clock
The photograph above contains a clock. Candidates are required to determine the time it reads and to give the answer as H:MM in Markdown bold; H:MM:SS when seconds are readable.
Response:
**8:40**
